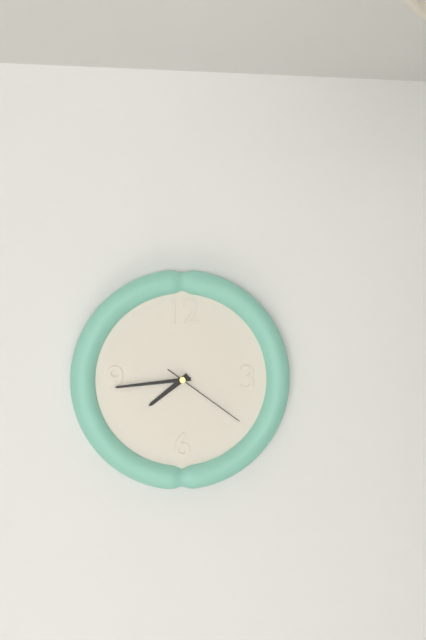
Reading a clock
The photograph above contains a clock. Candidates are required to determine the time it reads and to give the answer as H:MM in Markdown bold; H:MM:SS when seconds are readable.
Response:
**7:44:21**
